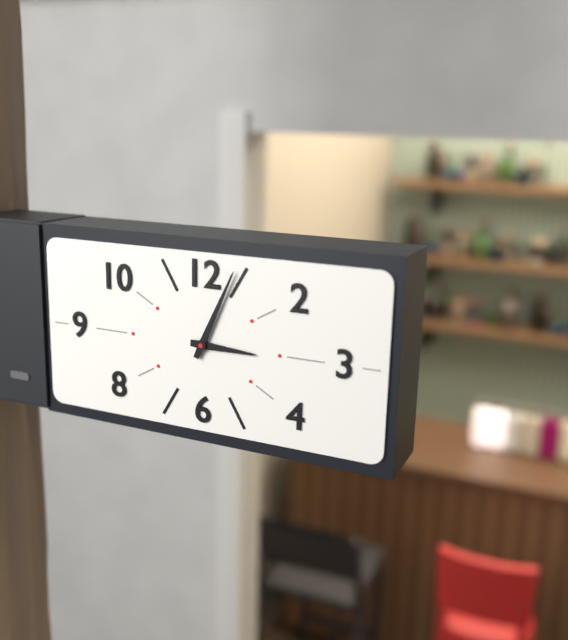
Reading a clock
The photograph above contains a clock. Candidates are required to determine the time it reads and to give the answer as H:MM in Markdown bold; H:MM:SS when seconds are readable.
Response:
**3:04**
